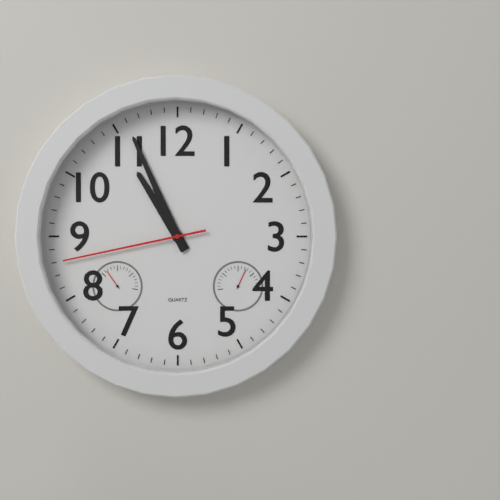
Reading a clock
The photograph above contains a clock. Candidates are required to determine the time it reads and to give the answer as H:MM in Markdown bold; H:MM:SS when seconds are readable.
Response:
**10:56:43**
